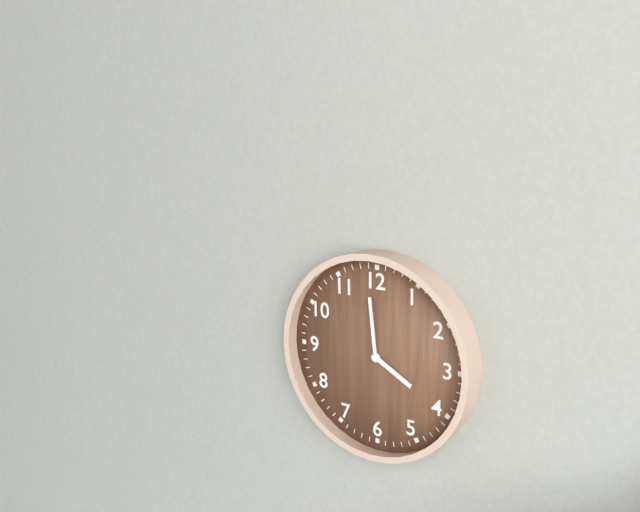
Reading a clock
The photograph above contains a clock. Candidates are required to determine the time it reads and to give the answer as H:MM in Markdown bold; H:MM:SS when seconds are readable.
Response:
**3:59**
